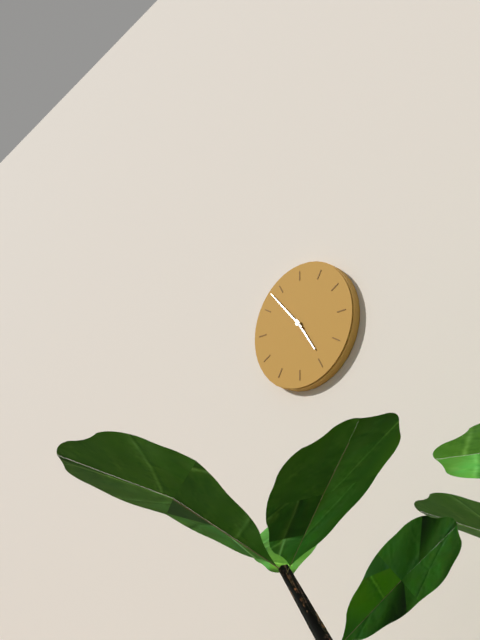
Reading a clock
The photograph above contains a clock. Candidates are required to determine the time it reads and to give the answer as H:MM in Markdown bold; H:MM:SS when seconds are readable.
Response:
**4:53**
